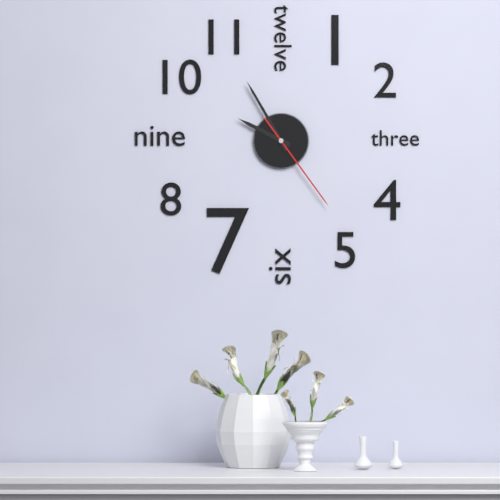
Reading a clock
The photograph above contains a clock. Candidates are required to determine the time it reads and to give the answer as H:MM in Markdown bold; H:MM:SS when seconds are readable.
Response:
**9:55:24**
